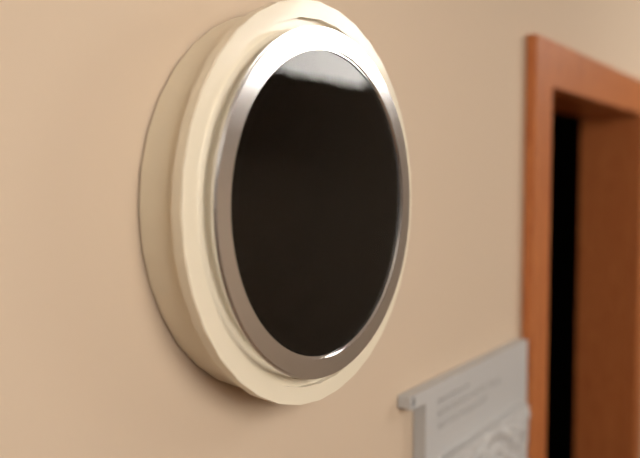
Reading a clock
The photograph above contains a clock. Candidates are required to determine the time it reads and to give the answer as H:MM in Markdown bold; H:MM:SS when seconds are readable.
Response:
**11:42**
